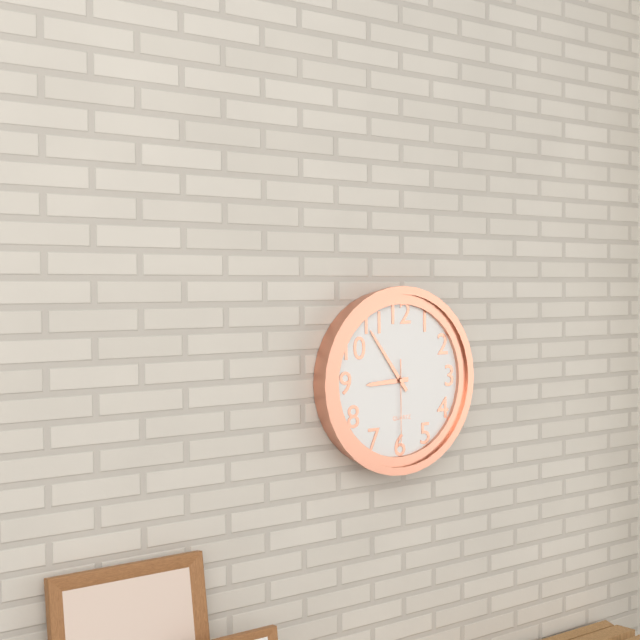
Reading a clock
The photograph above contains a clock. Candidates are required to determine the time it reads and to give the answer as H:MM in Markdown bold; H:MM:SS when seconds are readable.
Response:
**8:54:30**
